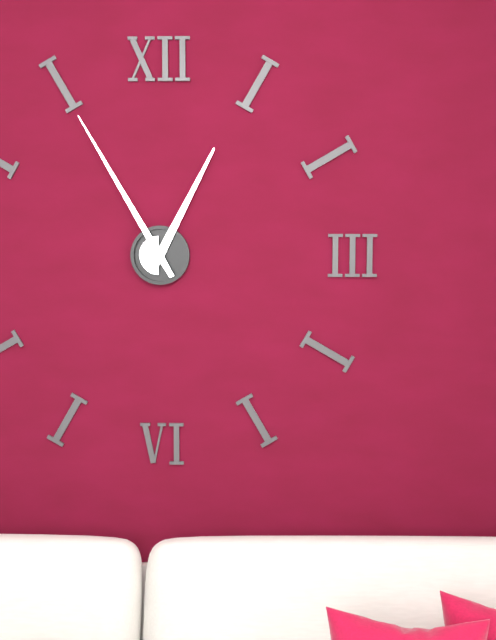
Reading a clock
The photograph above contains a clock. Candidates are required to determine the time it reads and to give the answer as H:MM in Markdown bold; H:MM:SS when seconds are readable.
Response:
**12:55**
